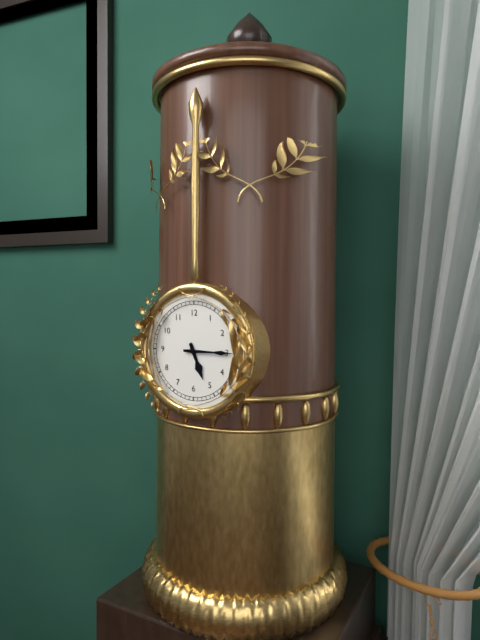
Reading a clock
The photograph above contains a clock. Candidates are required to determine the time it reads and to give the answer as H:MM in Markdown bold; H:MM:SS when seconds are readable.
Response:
**5:15**
